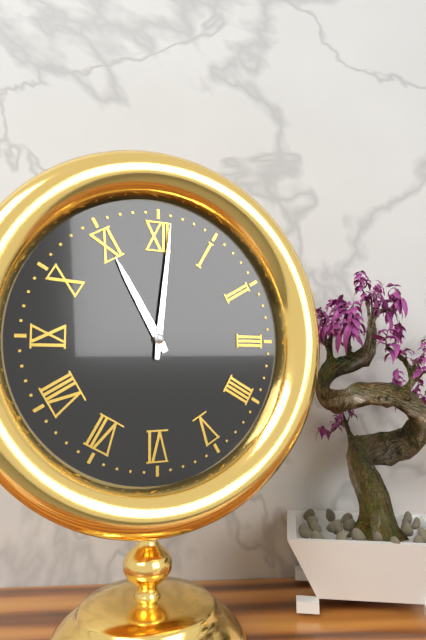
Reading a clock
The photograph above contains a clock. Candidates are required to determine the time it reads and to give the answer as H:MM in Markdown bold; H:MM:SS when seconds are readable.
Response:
**11:01**
